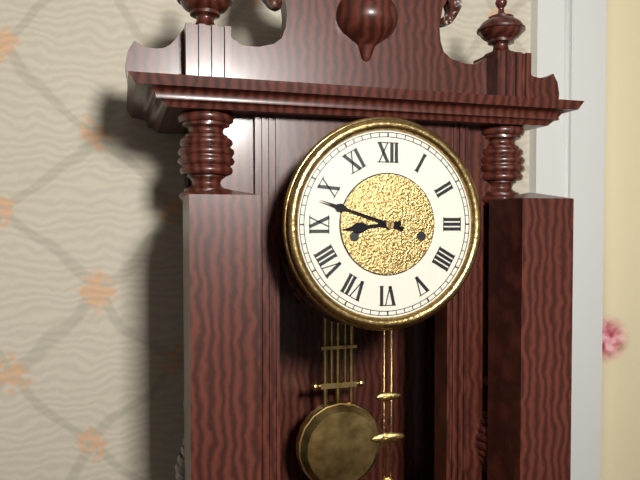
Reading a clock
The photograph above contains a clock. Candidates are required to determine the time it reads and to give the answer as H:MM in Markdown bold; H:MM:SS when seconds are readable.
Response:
**8:48**
